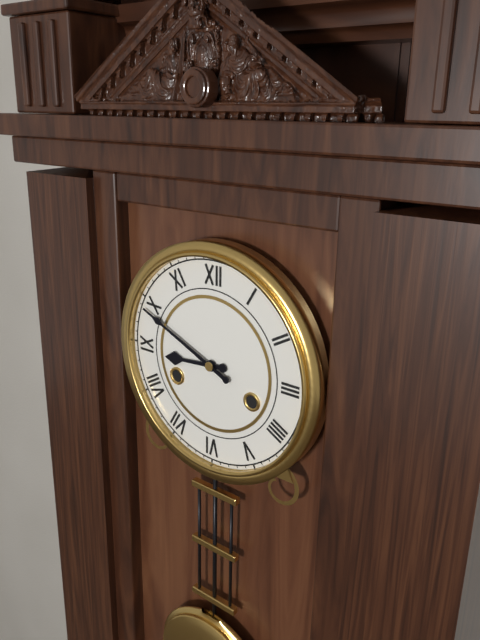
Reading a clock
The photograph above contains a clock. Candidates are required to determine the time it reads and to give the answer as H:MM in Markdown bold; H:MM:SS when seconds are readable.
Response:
**8:49**
